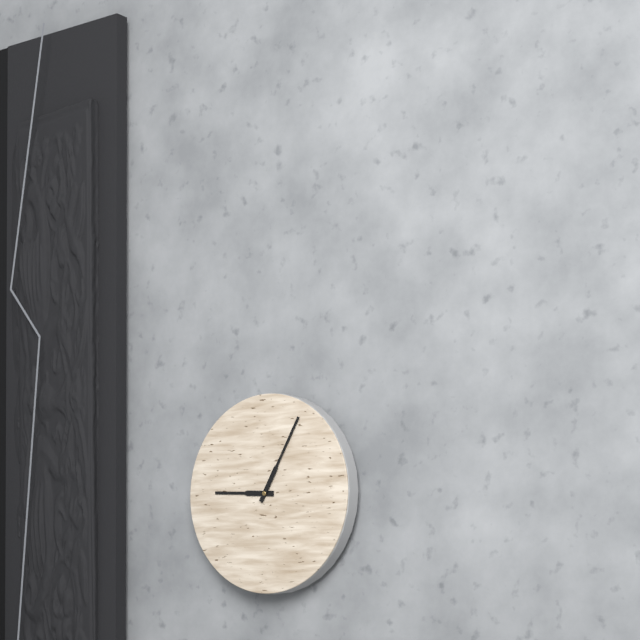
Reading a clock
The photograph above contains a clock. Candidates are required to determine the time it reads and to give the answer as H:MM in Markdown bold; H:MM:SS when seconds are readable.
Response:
**9:05**
